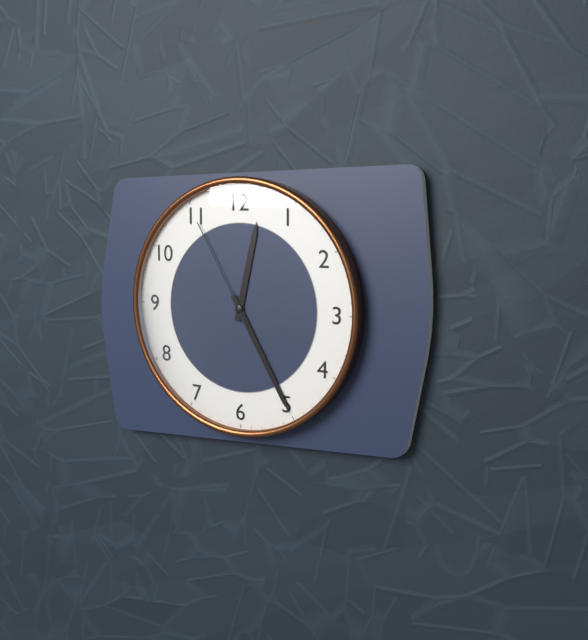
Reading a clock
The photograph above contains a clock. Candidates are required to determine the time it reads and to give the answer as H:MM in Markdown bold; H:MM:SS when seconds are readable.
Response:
**12:25:55**
